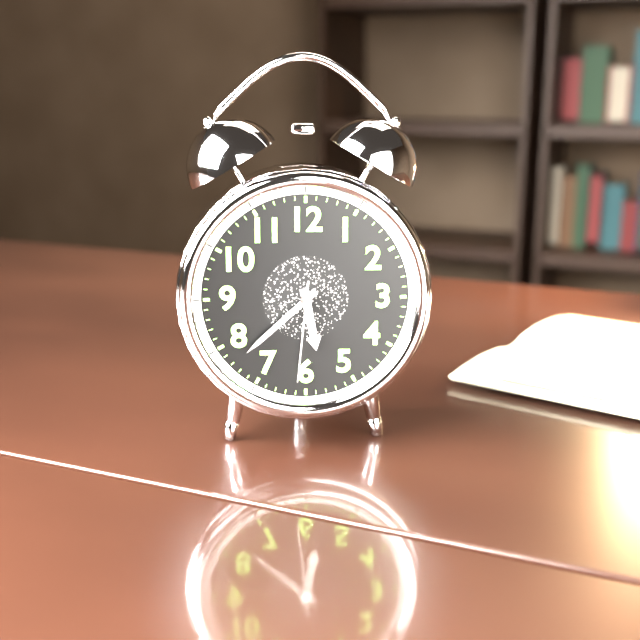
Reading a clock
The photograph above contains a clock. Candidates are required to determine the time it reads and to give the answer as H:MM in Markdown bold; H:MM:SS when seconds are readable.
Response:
**5:38:31**
